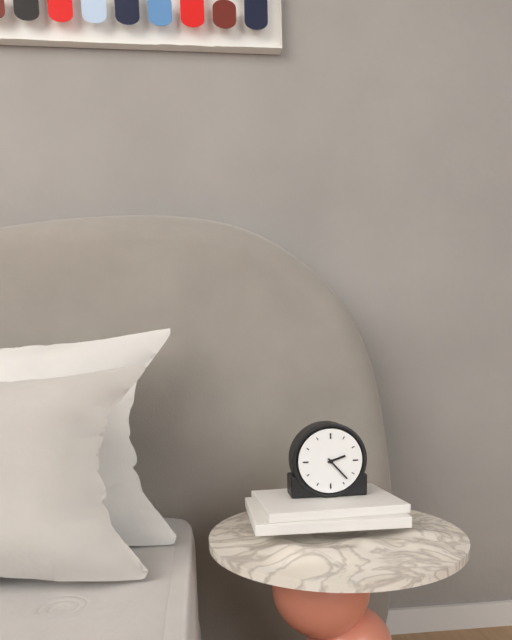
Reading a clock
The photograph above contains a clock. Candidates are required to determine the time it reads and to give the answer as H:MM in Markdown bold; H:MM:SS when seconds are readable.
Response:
**2:23**
